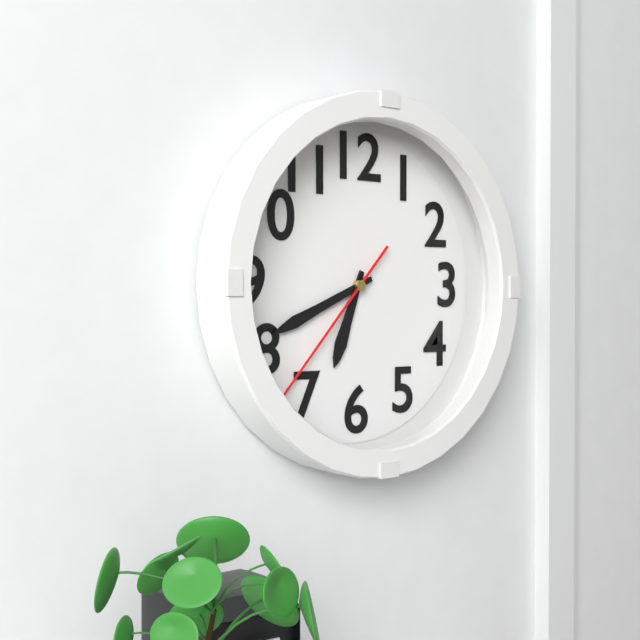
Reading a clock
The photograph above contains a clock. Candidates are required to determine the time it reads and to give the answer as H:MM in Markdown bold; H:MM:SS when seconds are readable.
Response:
**6:41:37**
